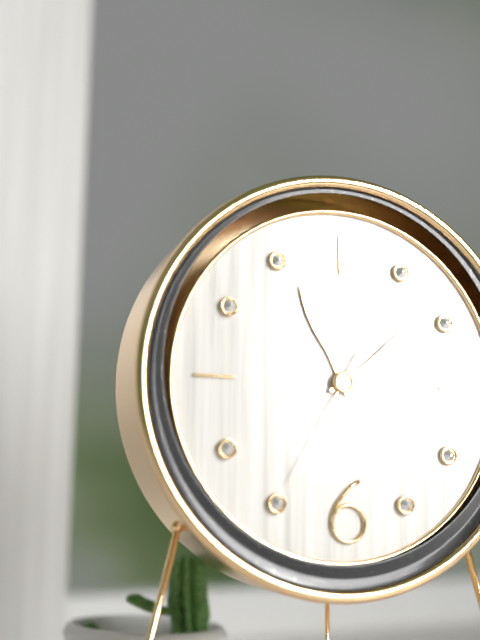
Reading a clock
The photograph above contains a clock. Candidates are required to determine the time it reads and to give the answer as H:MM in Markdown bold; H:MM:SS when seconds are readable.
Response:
**11:09:35**
